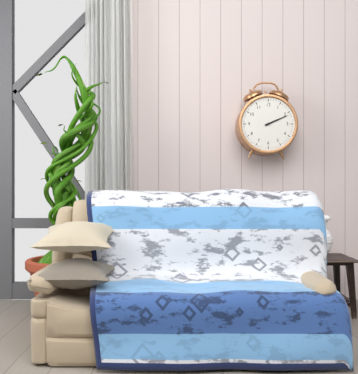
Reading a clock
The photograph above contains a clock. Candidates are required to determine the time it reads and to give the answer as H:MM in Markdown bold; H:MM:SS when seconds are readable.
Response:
**2:11**
